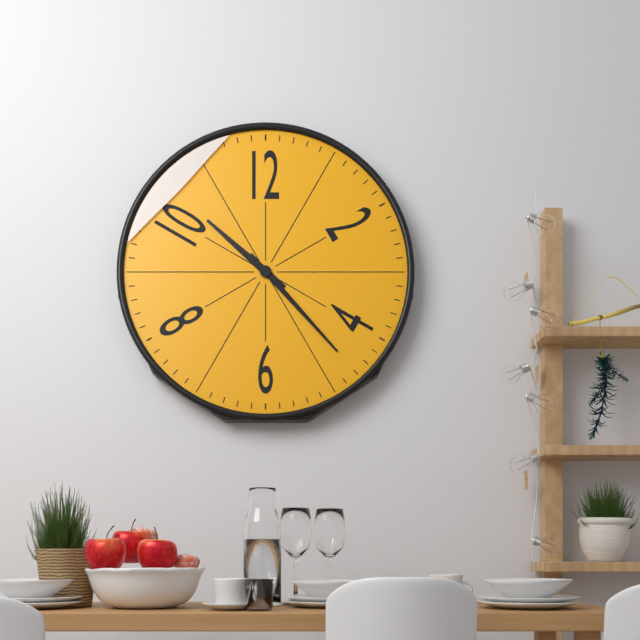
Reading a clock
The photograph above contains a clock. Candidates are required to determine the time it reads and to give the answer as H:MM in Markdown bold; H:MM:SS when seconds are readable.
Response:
**10:23**
